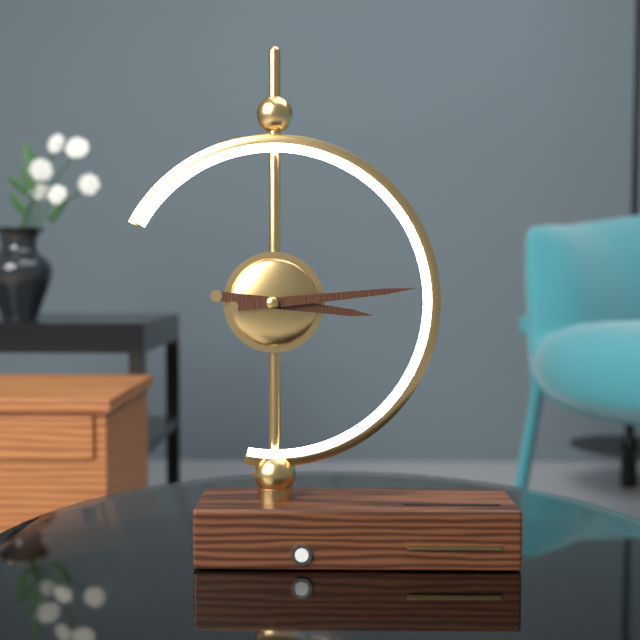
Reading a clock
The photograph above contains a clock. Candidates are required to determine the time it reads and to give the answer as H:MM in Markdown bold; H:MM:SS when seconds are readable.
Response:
**3:14**
